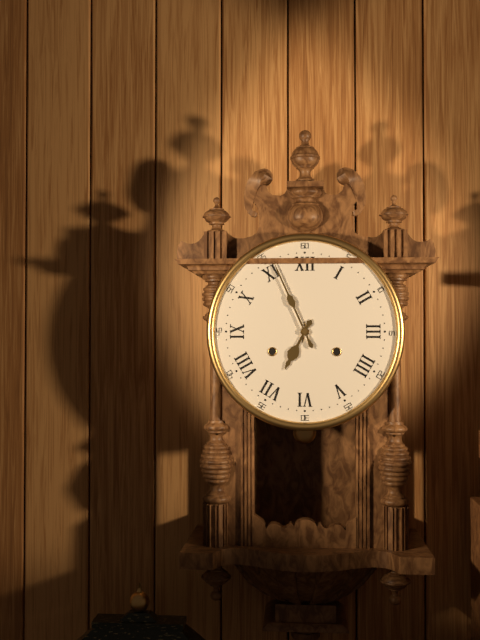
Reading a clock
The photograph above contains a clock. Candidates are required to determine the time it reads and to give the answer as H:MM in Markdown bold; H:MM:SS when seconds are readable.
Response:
**6:56**
